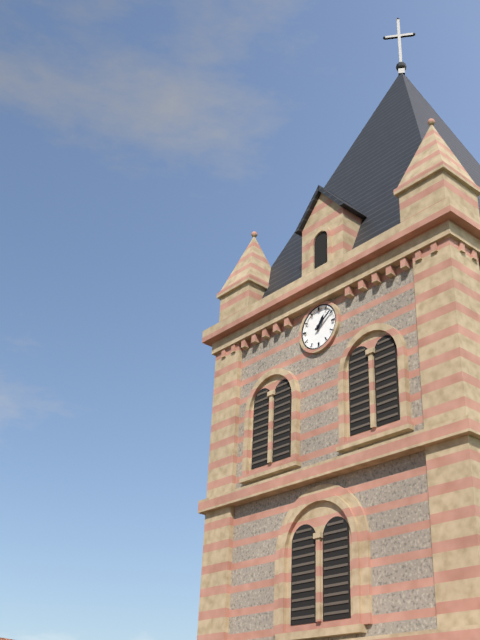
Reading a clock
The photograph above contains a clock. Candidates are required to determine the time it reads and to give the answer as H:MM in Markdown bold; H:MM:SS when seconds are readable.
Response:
**1:09**
